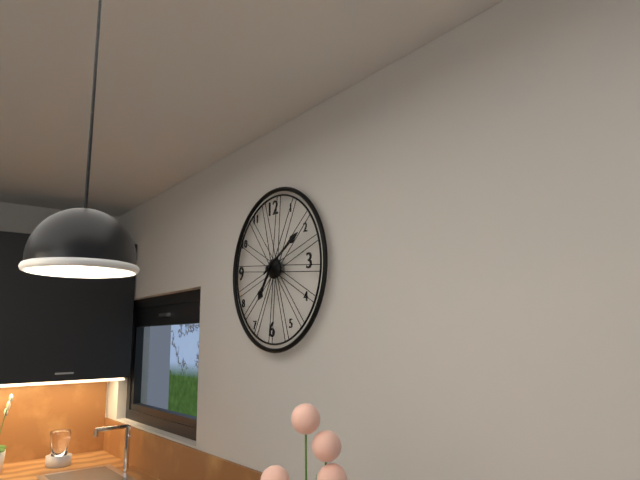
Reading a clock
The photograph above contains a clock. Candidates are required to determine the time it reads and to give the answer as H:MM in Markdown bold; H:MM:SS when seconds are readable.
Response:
**7:10**
